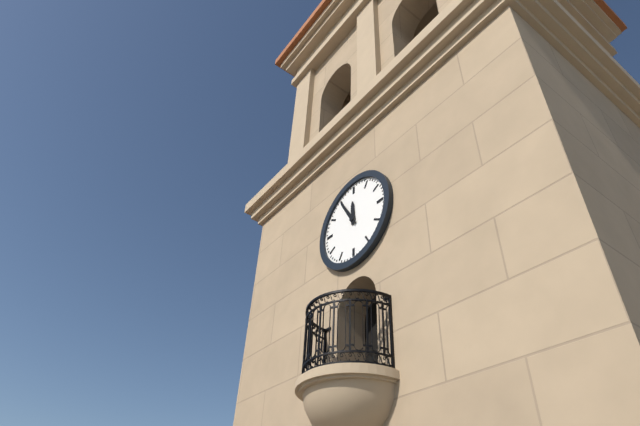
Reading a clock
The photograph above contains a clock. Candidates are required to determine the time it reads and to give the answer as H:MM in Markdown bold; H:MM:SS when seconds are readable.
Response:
**11:55**
